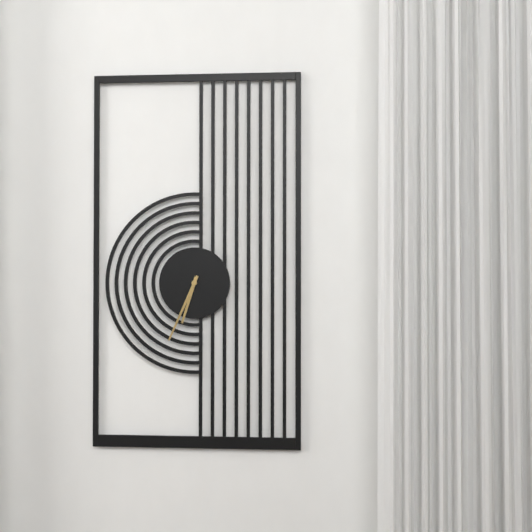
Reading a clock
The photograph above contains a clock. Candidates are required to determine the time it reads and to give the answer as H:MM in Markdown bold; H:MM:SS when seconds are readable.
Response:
**6:34**
